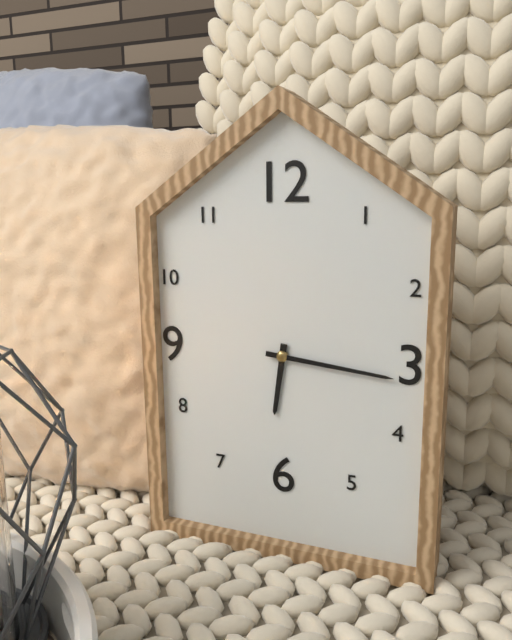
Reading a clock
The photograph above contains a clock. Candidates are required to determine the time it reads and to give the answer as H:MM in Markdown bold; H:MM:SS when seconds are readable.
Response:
**6:16**
